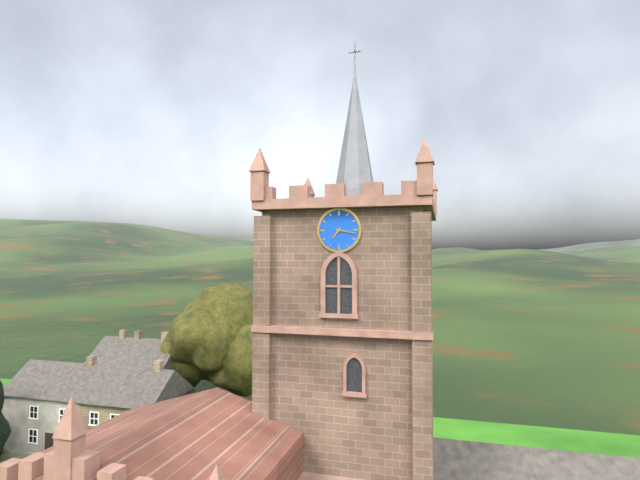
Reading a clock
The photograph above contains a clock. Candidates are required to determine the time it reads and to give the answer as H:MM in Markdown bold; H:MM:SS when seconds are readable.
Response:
**7:17**
